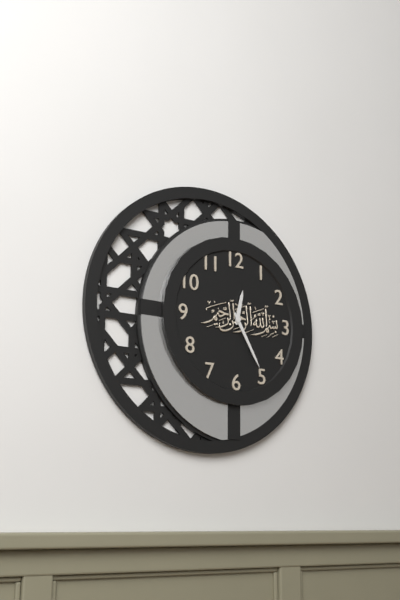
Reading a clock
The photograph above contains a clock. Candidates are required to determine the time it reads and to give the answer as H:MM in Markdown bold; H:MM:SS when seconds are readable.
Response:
**12:25**
